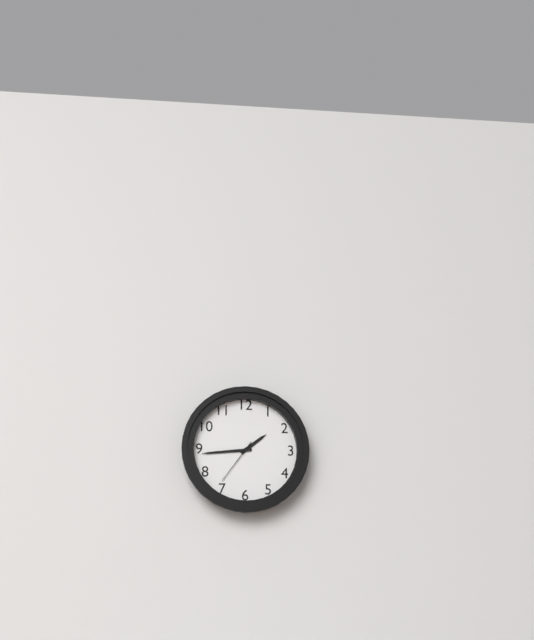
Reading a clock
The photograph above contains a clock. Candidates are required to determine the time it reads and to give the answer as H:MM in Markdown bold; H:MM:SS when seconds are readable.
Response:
**1:44**
